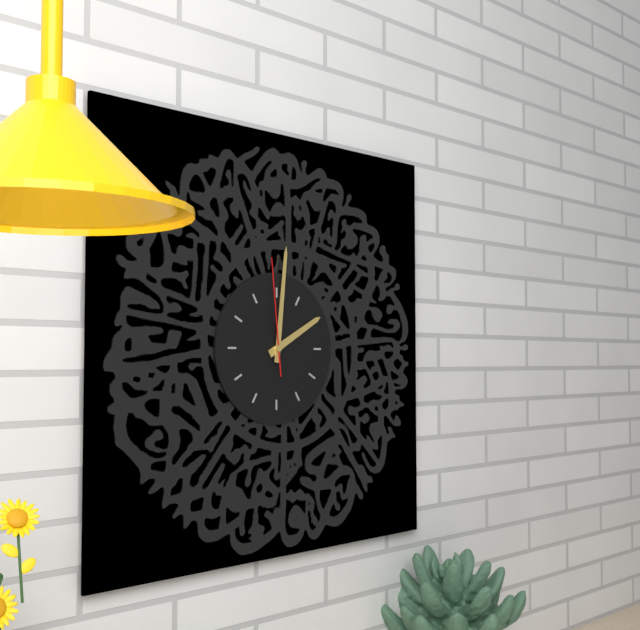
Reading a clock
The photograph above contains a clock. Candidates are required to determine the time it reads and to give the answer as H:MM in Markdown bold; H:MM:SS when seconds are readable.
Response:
**2:01:59**
